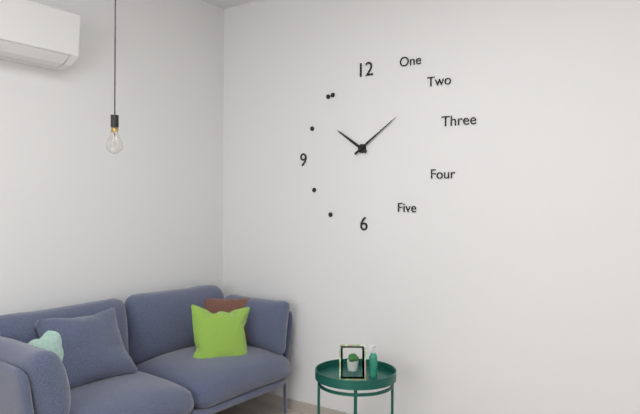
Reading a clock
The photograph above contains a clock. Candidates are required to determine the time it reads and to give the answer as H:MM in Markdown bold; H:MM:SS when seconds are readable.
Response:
**10:09**
